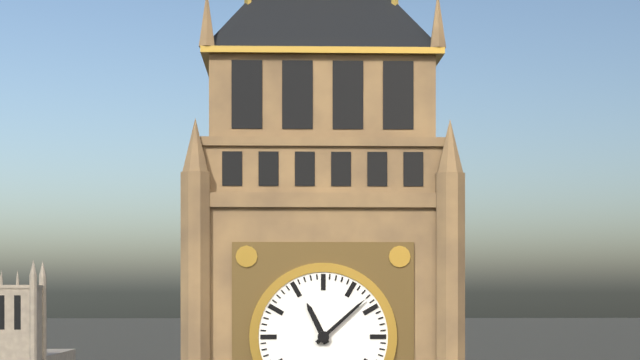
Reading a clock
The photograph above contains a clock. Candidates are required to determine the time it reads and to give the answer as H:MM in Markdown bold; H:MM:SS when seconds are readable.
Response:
**11:08**
